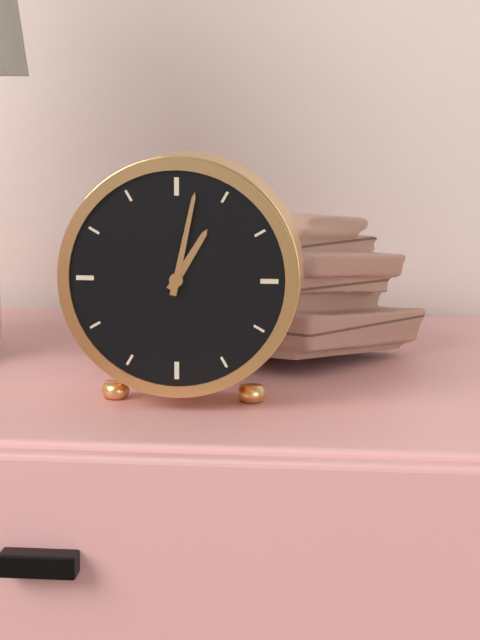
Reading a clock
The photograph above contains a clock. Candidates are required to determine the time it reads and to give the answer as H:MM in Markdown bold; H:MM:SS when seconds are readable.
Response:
**1:02**
